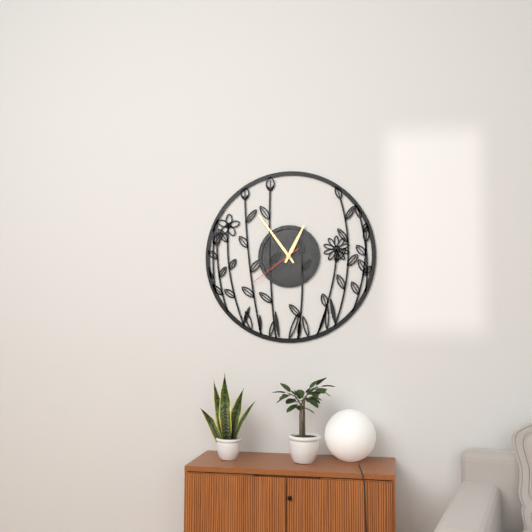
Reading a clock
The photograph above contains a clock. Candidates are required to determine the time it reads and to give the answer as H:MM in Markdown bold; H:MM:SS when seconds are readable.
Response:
**12:54:39**
